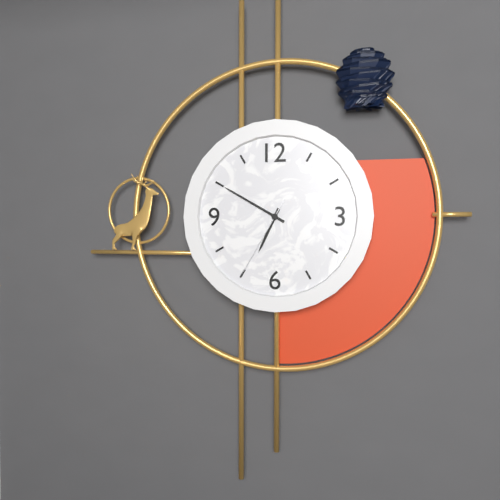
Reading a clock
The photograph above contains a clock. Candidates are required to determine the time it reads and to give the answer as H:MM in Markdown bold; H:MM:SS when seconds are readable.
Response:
**6:50:35**
